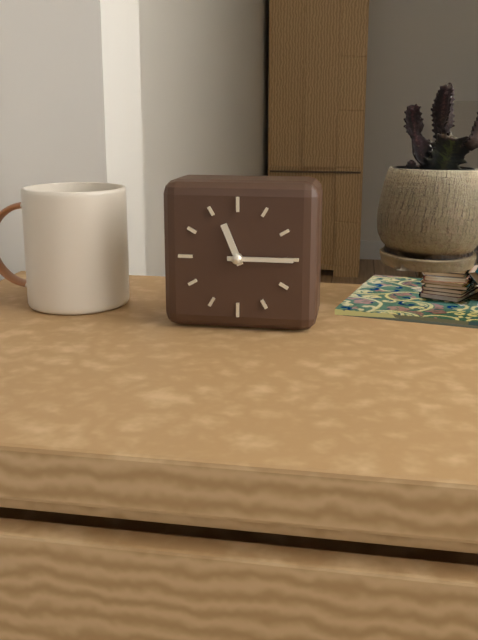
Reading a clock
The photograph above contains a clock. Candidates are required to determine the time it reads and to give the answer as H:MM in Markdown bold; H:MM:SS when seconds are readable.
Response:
**11:15**
